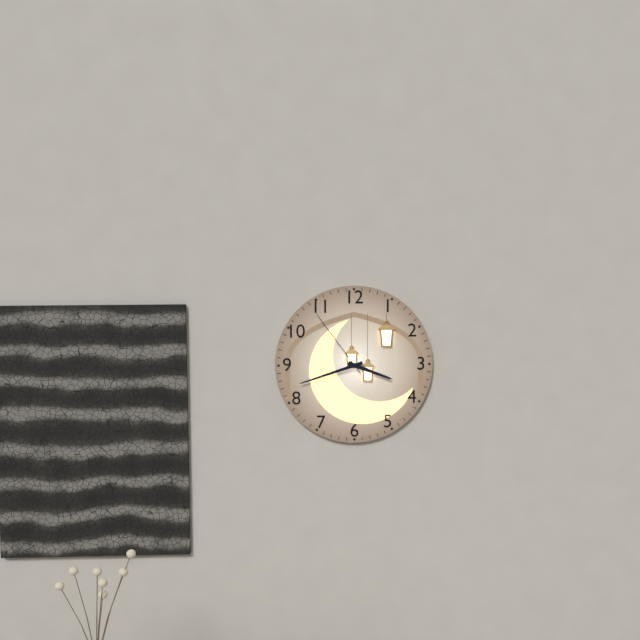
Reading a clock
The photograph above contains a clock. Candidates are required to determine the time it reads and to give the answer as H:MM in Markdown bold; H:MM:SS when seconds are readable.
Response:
**3:42:54**
